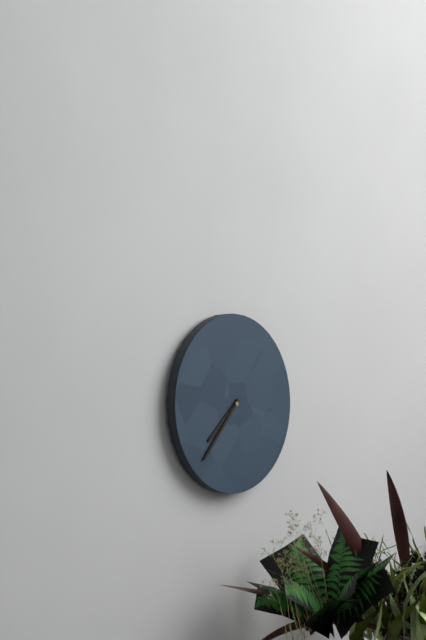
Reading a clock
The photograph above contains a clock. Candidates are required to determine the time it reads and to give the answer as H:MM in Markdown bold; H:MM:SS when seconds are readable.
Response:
**7:37**
